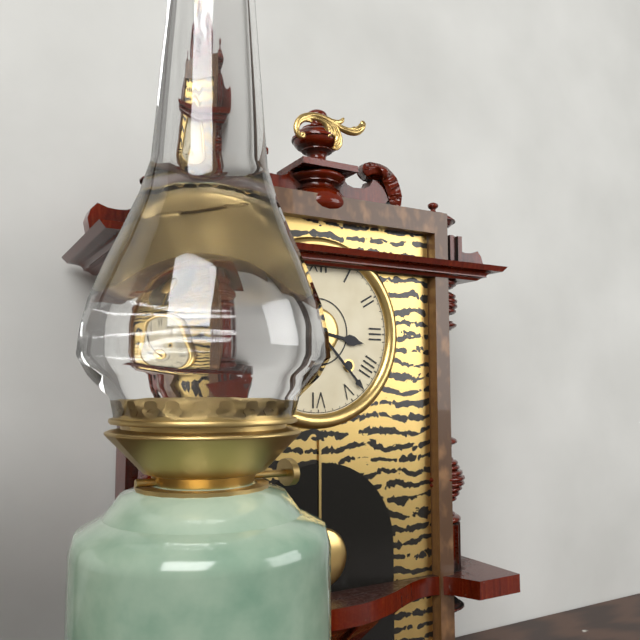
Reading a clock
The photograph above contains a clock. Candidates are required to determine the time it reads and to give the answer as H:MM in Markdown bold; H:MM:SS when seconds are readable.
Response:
**3:23**
